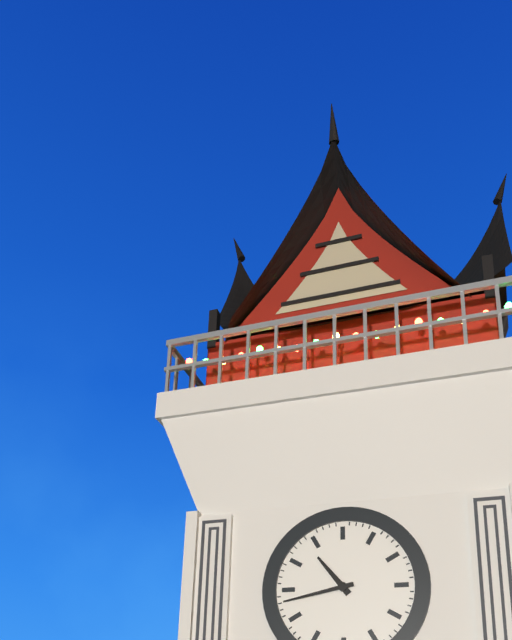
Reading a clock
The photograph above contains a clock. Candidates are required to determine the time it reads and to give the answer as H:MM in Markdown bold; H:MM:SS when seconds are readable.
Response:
**10:43**
